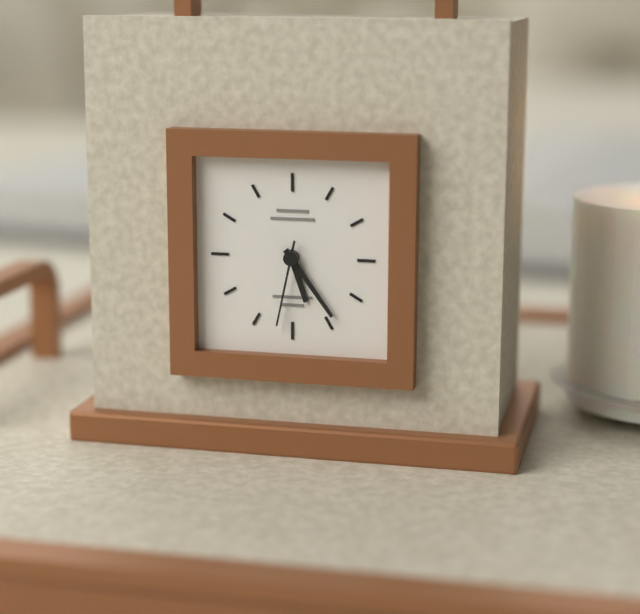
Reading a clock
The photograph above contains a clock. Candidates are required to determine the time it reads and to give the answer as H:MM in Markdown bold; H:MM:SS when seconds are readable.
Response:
**5:24:32**
